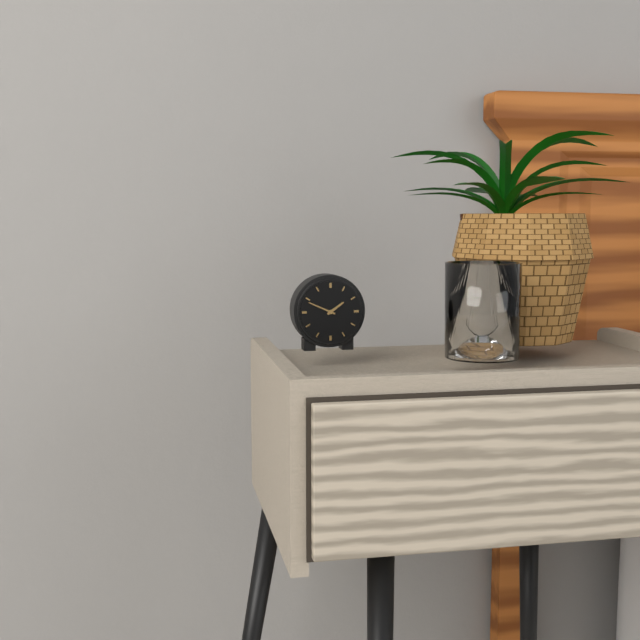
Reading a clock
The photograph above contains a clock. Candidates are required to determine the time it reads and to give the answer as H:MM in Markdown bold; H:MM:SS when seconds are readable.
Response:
**1:49**
